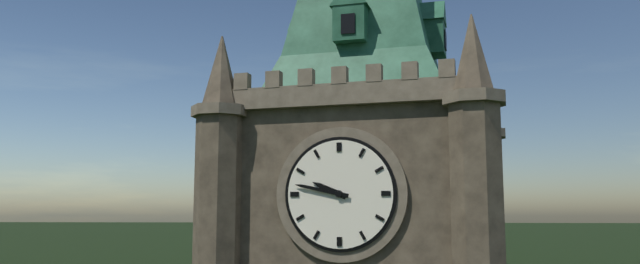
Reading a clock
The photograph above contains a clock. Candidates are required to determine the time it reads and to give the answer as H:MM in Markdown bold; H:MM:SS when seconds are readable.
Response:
**9:47**
